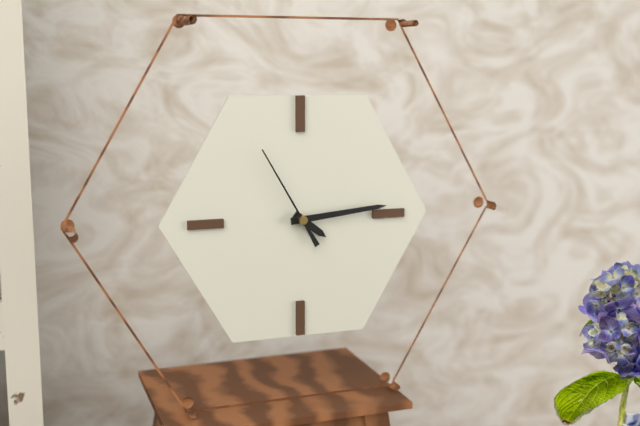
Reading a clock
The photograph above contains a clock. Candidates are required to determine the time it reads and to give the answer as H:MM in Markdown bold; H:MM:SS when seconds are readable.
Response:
**4:14:55**
